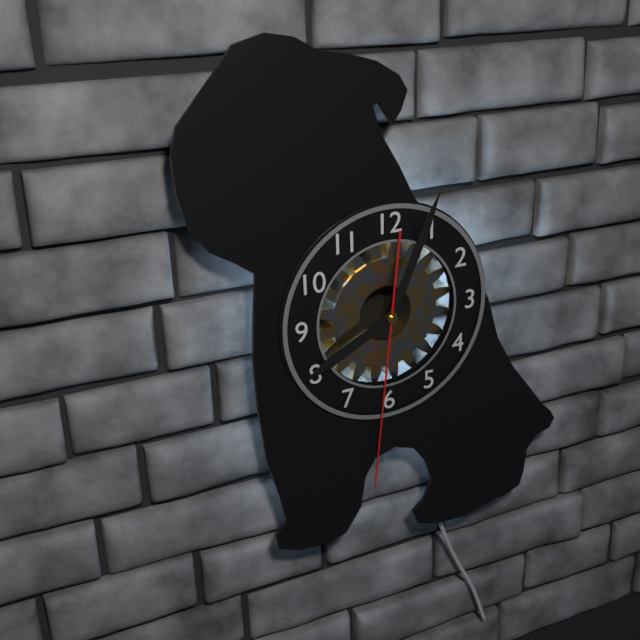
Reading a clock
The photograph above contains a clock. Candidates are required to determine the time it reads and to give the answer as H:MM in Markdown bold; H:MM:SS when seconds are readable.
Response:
**8:04:31**
